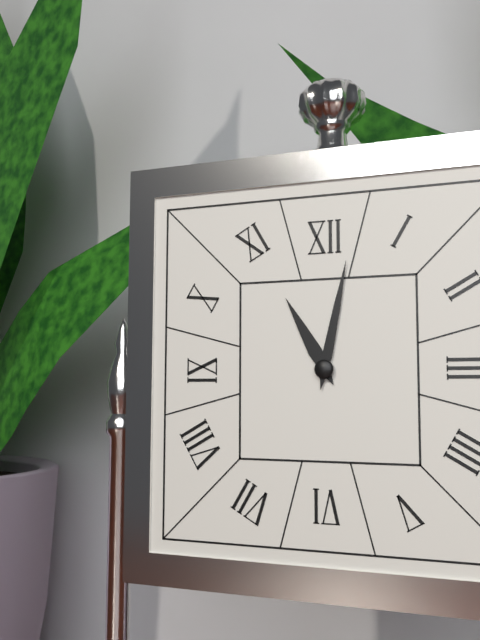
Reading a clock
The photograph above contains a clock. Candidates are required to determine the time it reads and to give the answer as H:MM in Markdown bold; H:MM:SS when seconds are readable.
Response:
**11:02**
